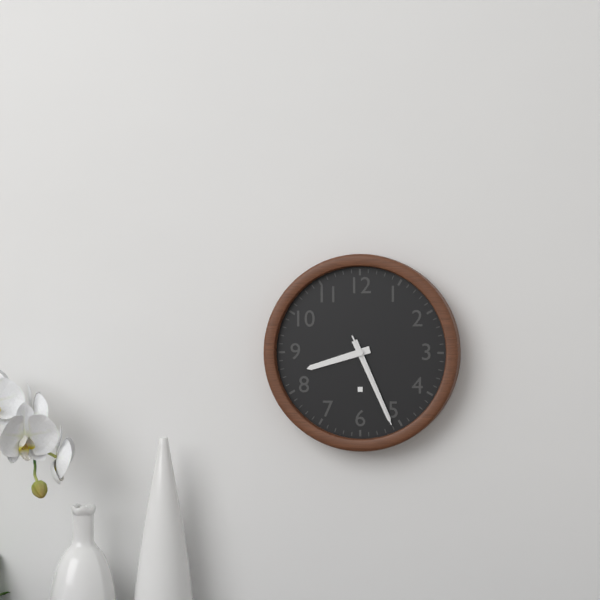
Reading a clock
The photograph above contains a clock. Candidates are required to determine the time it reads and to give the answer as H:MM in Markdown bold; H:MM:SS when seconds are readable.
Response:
**8:26:26**
